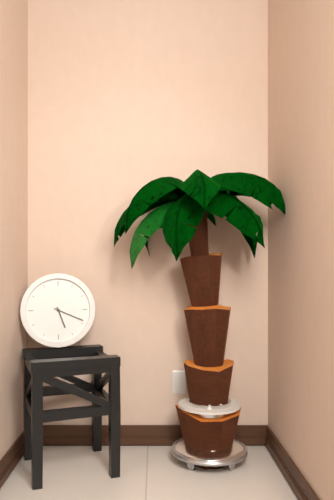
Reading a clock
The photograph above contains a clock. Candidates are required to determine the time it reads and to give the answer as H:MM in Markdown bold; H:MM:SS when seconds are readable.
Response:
**5:19**
